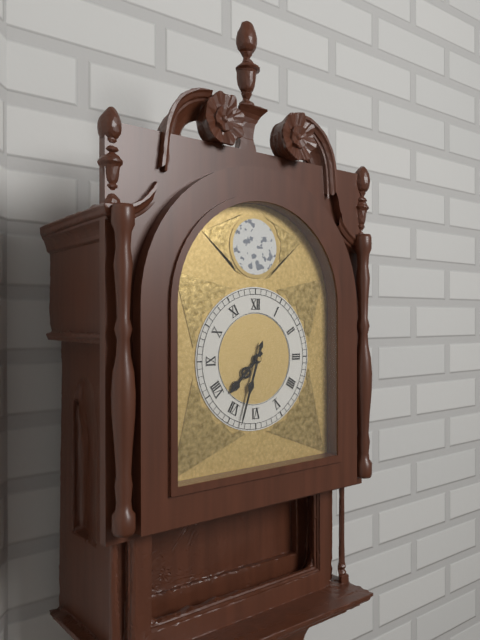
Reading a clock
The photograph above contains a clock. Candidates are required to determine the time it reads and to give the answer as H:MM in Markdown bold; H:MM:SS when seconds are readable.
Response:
**7:33**
